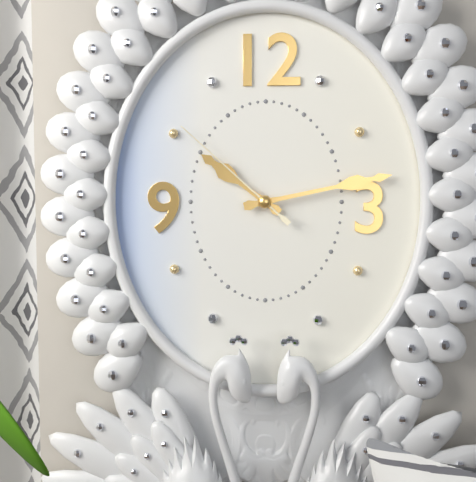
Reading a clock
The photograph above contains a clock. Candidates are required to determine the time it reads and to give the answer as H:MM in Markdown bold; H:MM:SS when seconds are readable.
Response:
**10:13:52**
